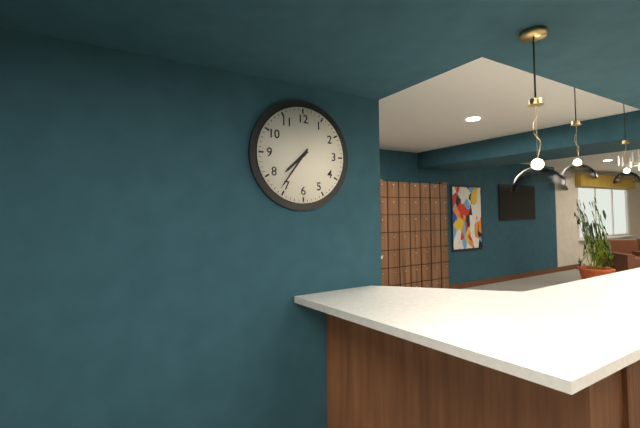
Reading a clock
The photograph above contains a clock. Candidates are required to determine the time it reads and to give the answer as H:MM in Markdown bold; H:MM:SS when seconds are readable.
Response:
**7:36**
